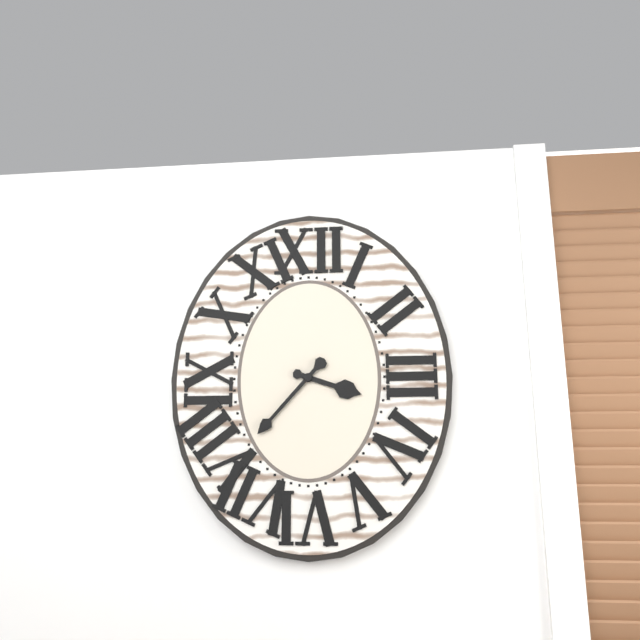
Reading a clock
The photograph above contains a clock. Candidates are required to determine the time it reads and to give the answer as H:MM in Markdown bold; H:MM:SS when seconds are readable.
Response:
**3:37**
